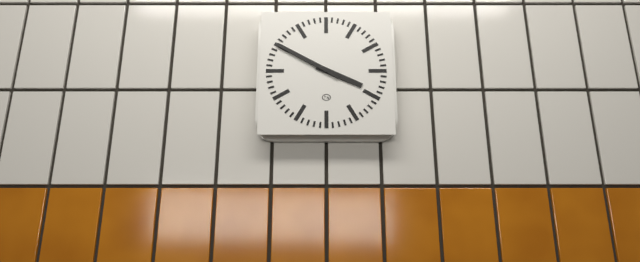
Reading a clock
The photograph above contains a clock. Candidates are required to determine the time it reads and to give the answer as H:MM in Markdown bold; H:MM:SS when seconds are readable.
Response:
**3:50**
